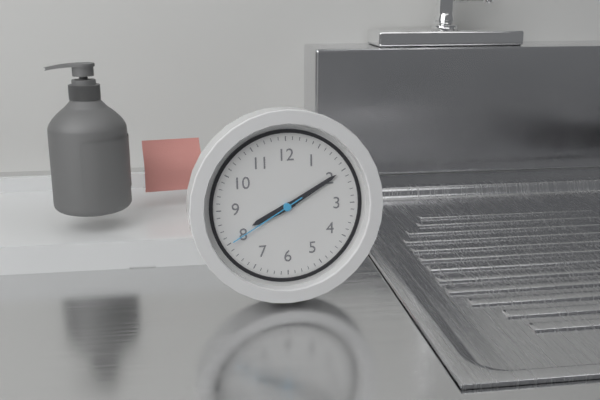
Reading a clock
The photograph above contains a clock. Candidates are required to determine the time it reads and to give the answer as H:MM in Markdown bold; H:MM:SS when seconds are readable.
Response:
**8:10:40**
